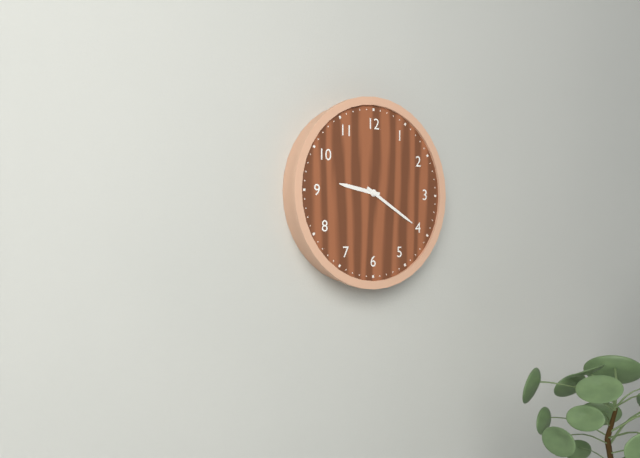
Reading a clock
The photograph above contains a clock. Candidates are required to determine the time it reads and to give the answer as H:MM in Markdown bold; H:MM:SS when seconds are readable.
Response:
**9:20**
